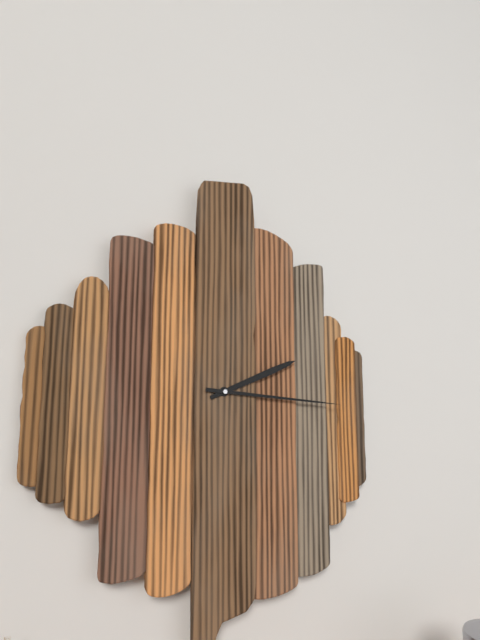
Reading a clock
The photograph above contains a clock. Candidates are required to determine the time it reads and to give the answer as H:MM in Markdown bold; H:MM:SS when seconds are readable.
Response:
**2:16**
